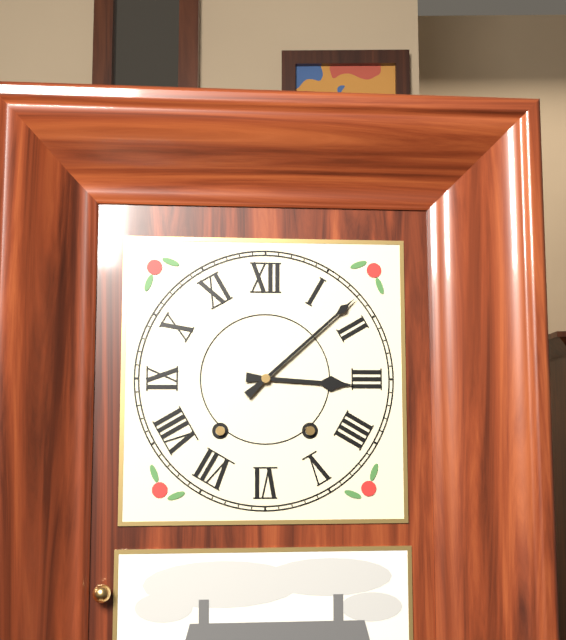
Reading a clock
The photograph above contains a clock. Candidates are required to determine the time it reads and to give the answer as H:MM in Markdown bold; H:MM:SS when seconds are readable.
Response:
**3:08**
